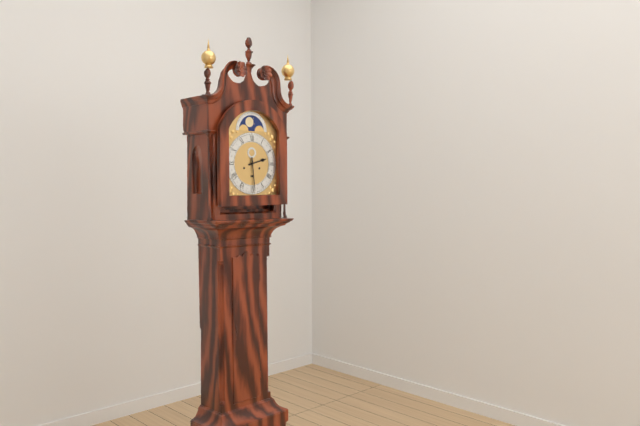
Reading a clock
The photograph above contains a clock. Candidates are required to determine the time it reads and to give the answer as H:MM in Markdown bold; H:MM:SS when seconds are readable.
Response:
**2:29**
